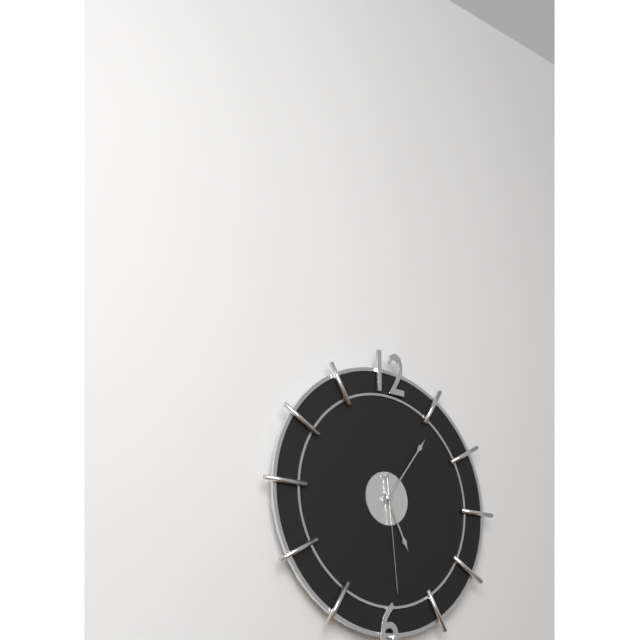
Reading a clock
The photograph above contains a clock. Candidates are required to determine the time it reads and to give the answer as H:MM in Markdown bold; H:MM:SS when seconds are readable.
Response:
**5:06:29**
